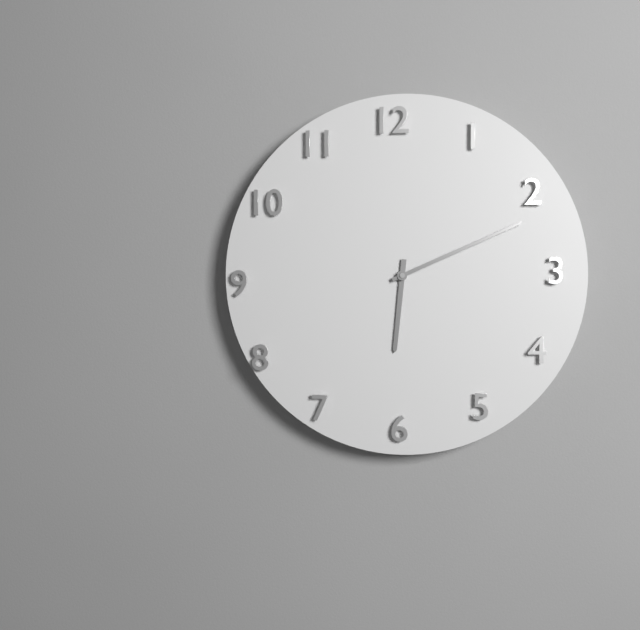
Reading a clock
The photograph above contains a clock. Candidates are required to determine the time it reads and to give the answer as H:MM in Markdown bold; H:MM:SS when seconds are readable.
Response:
**6:11**
